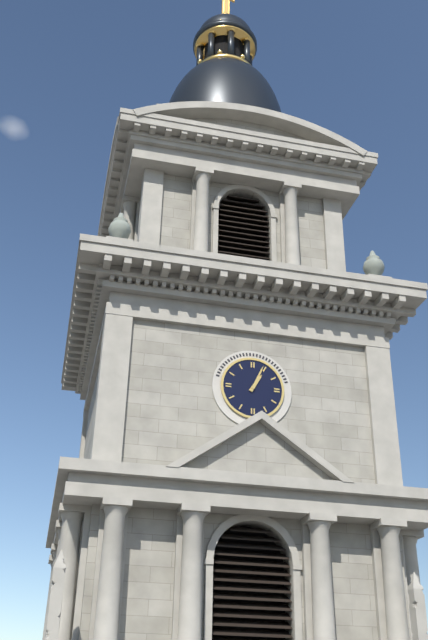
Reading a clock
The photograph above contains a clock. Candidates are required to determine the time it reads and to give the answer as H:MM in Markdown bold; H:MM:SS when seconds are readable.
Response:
**1:04**
